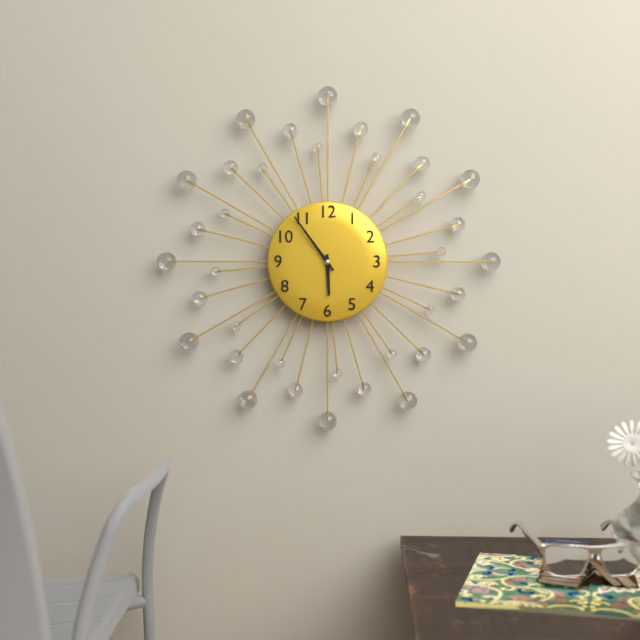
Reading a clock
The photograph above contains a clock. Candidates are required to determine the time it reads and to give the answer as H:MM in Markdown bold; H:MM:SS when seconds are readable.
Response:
**5:54**
